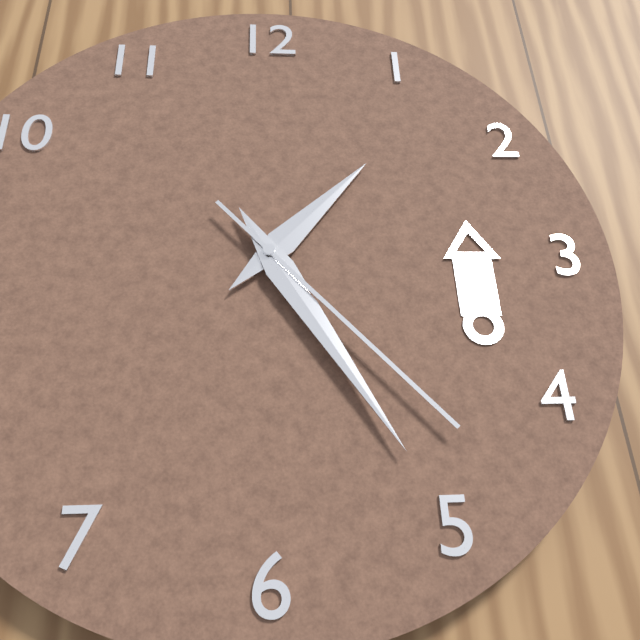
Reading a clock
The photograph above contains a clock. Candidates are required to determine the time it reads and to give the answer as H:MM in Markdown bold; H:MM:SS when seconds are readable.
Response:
**1:25:23**
